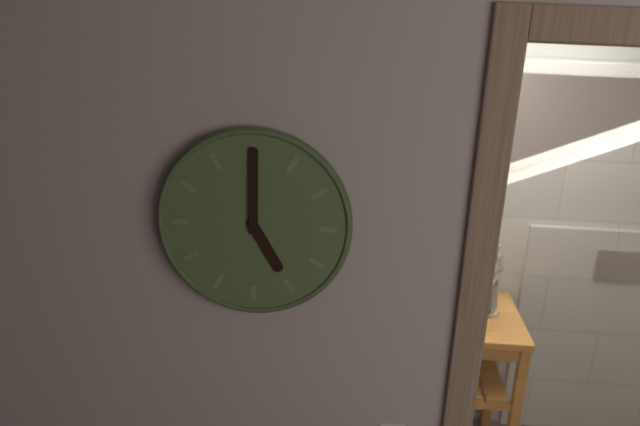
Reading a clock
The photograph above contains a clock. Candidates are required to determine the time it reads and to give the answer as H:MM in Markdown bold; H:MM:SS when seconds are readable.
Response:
**5:00**
